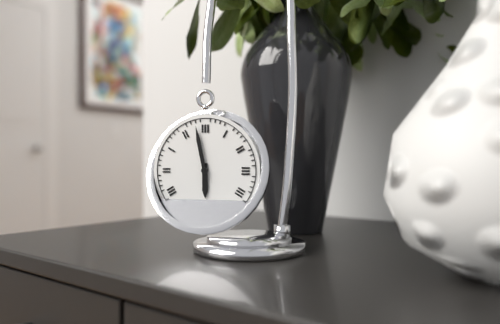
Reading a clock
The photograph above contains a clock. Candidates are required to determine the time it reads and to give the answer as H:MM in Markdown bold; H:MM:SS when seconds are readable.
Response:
**5:58**
